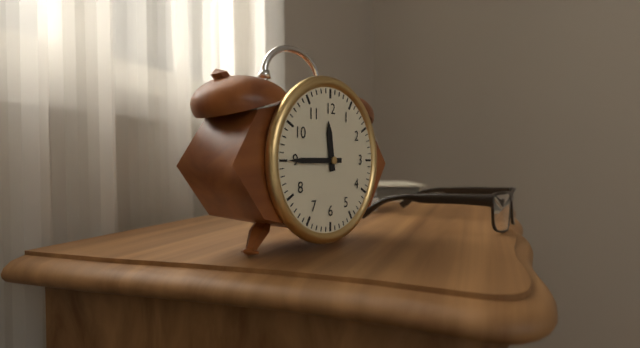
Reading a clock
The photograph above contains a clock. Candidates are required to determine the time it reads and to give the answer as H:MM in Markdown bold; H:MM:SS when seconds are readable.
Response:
**11:45**
